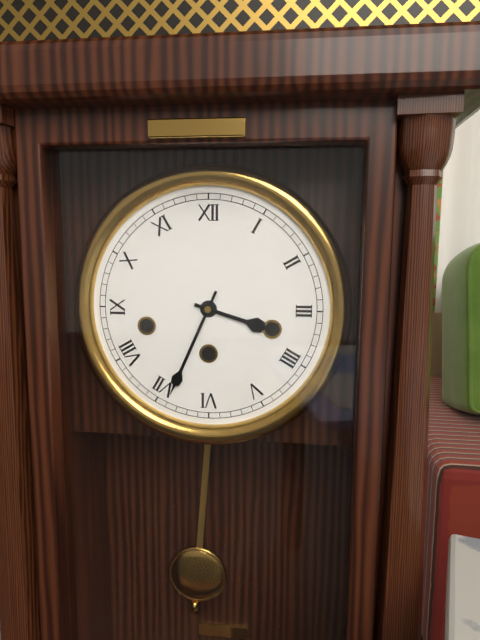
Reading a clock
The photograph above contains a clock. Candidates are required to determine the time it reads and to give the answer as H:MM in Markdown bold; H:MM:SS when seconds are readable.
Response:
**3:34**
